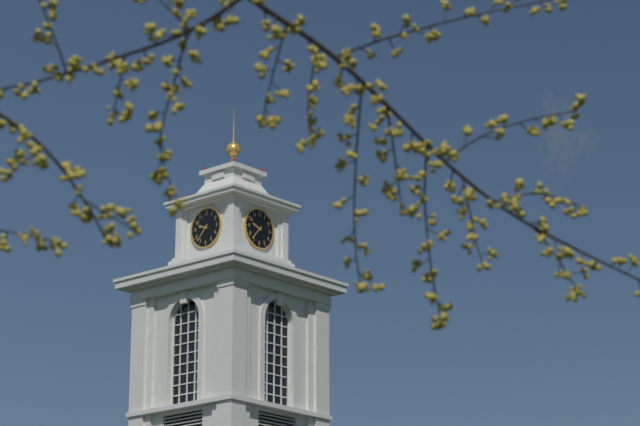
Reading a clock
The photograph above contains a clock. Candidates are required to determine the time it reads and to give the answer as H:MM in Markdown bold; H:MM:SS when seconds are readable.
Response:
**9:37**
